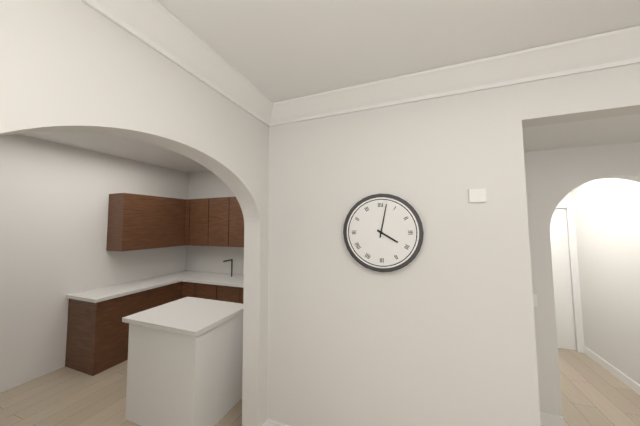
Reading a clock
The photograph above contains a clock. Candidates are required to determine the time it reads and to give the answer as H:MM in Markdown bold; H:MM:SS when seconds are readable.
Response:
**4:02**
